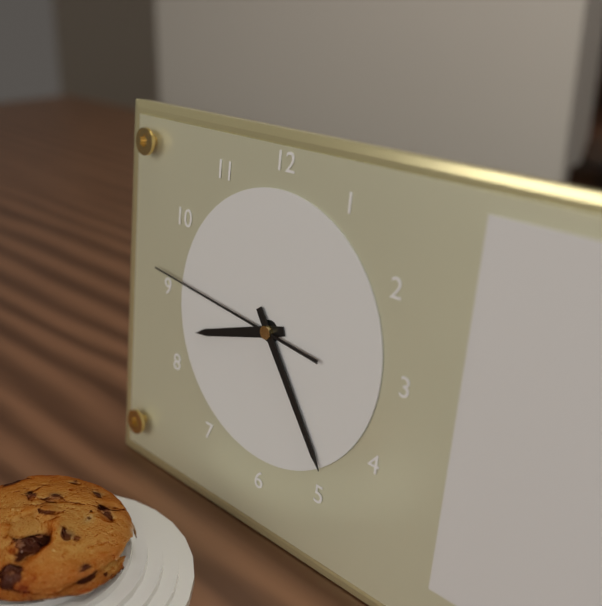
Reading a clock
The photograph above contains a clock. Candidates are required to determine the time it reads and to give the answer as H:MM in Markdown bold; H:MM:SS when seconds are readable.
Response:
**8:24:46**
